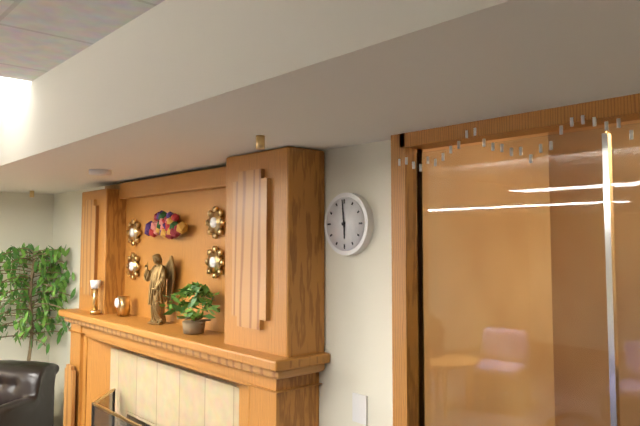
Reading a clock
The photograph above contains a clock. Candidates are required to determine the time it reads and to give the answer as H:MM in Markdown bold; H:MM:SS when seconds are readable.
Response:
**5:59**
